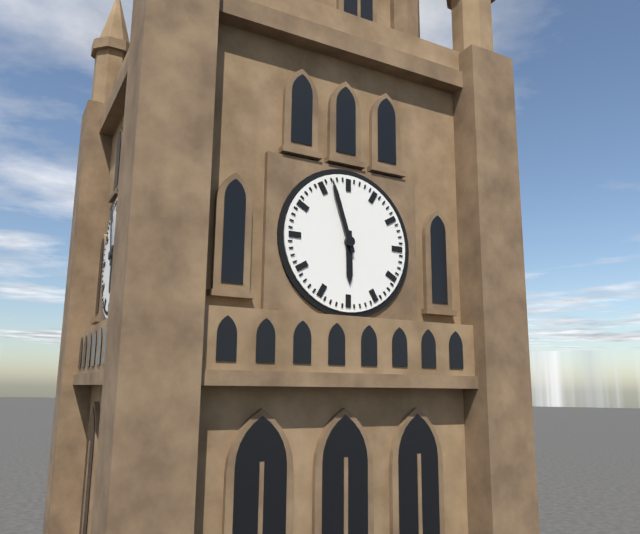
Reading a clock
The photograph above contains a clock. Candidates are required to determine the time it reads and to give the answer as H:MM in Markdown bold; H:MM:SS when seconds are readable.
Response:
**5:57**
